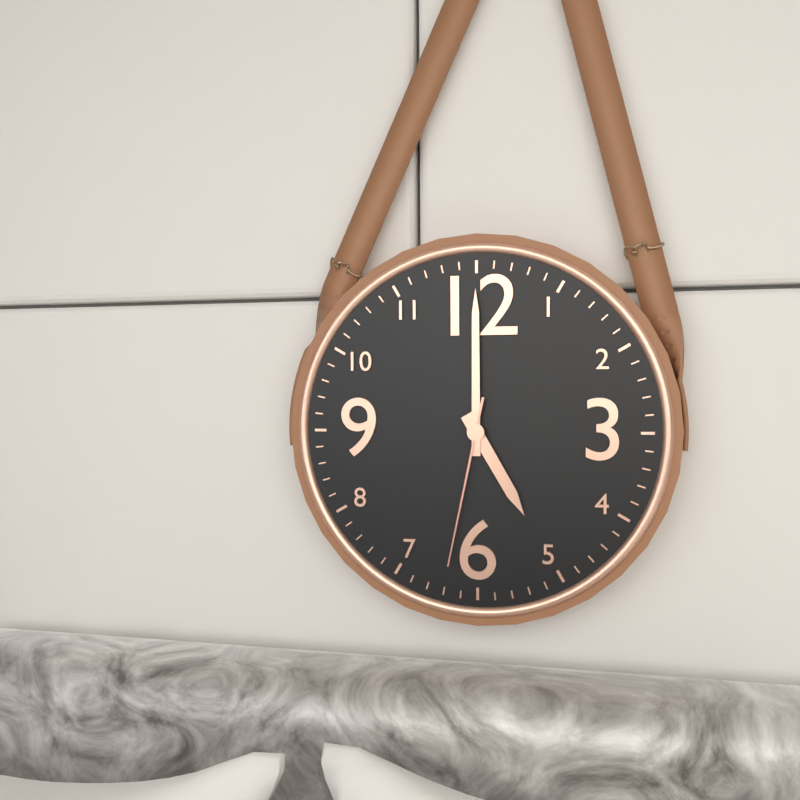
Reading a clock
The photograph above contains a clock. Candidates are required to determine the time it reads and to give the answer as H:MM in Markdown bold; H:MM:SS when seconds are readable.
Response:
**5:00:32**
